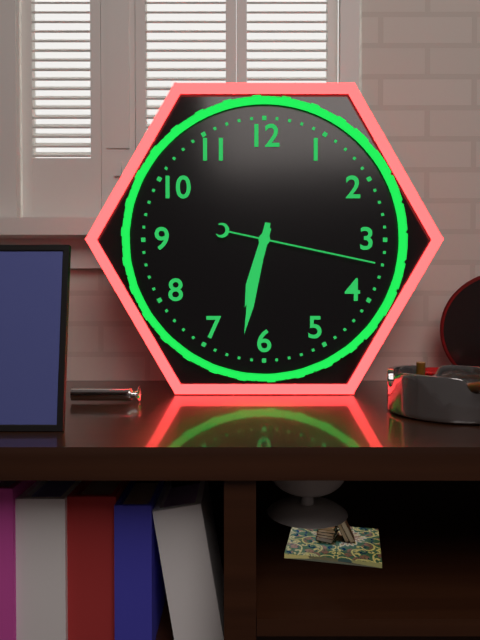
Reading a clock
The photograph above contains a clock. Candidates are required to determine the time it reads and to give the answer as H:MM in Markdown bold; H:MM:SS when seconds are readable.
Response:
**6:32:17**
